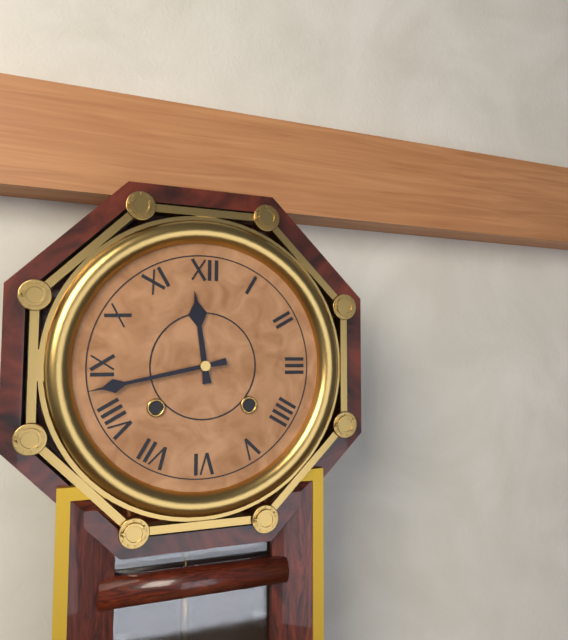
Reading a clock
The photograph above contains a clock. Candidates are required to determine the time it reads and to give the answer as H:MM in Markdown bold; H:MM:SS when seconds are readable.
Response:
**11:43**
